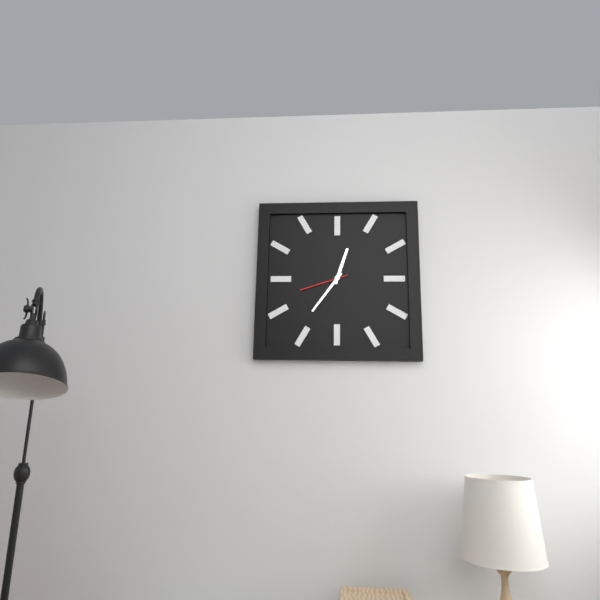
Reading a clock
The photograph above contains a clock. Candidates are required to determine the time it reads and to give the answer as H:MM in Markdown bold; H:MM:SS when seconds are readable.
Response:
**12:36**
